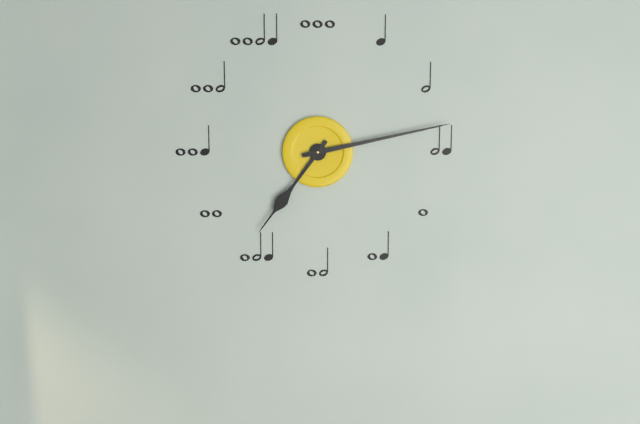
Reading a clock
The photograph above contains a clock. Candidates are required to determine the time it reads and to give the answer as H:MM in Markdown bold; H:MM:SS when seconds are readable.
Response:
**7:13**
